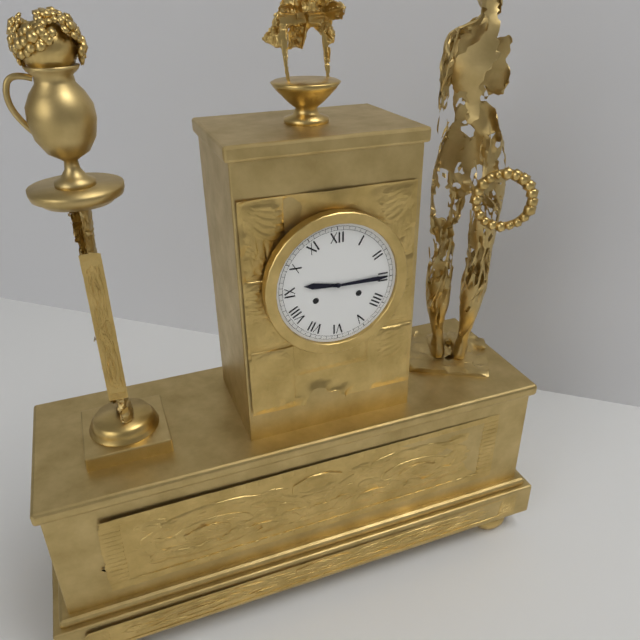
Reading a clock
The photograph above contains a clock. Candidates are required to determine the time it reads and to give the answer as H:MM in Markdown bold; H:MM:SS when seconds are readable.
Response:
**9:15**
